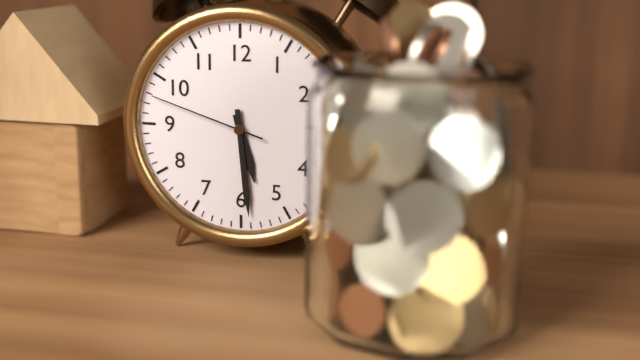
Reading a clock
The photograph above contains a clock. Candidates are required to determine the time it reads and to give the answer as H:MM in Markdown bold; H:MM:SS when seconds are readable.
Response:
**5:29:48**
